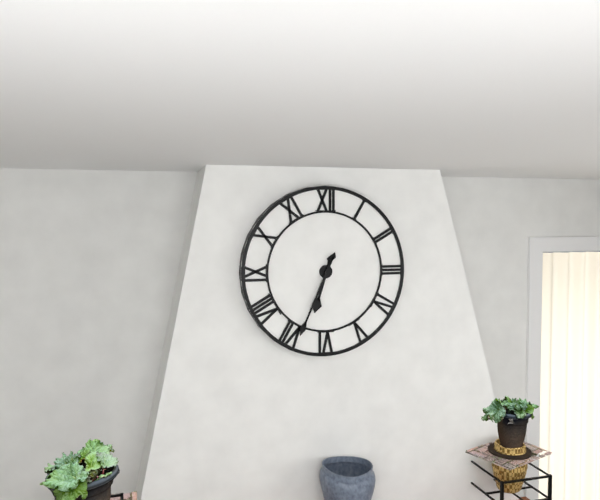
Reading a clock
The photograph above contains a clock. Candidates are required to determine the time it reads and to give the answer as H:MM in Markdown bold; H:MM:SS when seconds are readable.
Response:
**6:34**
